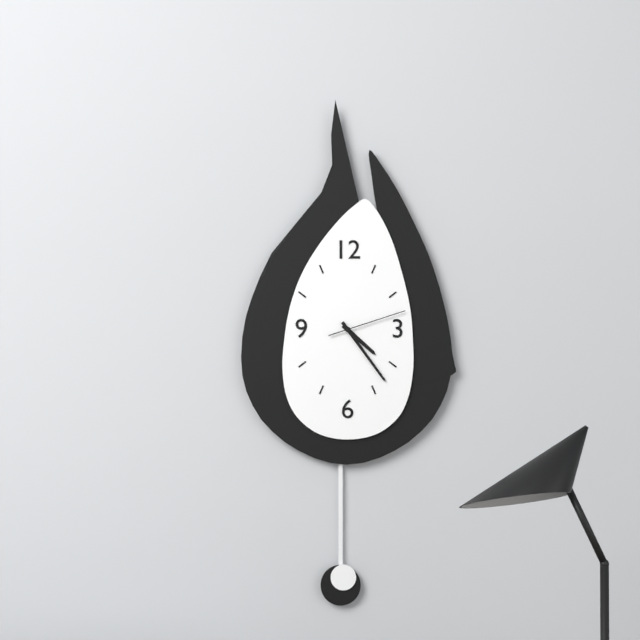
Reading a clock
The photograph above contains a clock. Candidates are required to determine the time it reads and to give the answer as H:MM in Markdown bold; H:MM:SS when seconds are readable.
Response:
**4:24:12**
